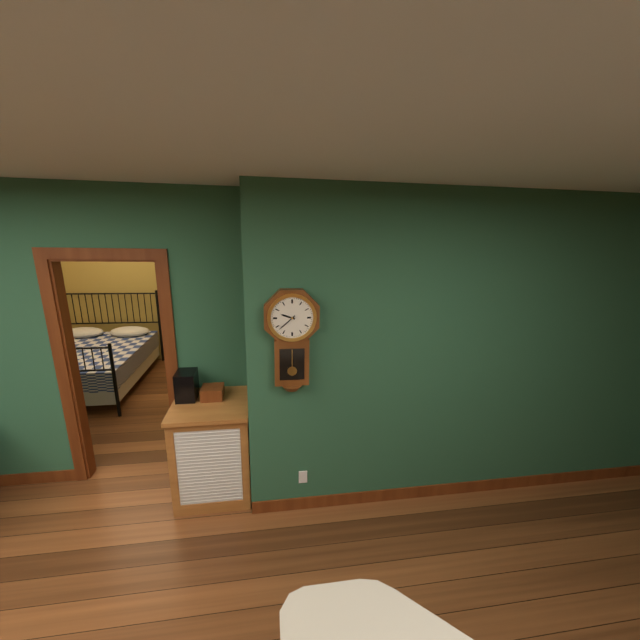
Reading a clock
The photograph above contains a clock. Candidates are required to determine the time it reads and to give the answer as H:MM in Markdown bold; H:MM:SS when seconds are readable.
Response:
**9:38**
